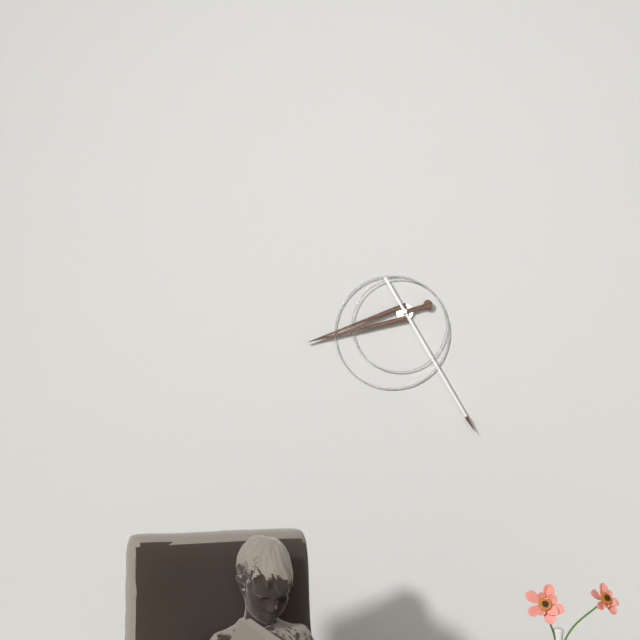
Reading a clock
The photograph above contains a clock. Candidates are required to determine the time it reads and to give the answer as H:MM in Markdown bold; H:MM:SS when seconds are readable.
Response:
**8:25**
